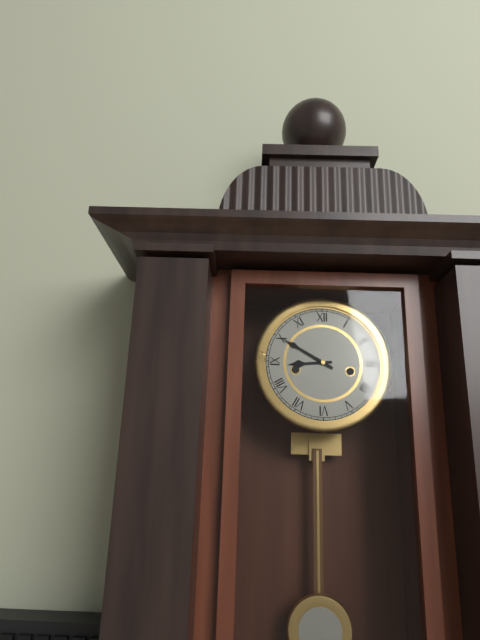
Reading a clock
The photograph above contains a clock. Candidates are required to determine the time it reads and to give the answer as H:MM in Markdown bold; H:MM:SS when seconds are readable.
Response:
**8:50**
